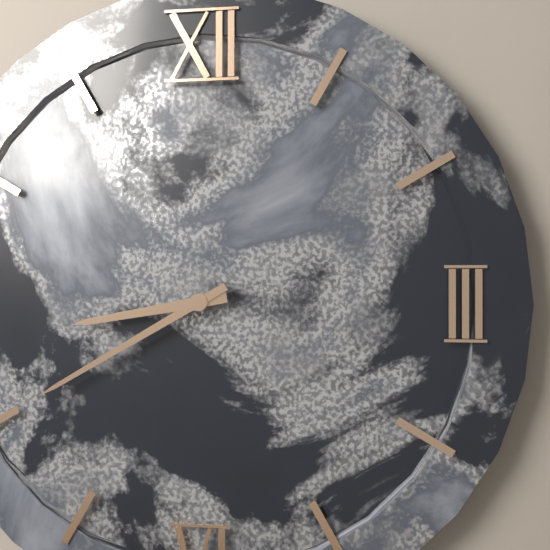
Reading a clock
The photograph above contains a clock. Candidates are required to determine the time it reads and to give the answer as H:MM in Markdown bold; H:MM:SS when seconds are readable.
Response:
**8:40**
